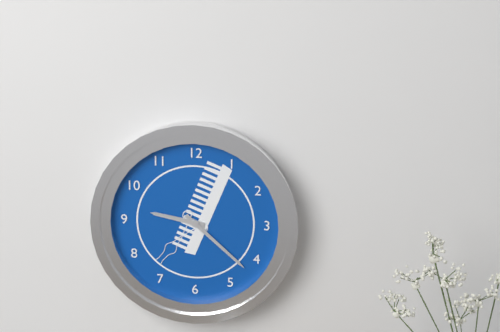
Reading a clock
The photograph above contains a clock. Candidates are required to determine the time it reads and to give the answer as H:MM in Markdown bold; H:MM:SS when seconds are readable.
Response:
**9:22**
